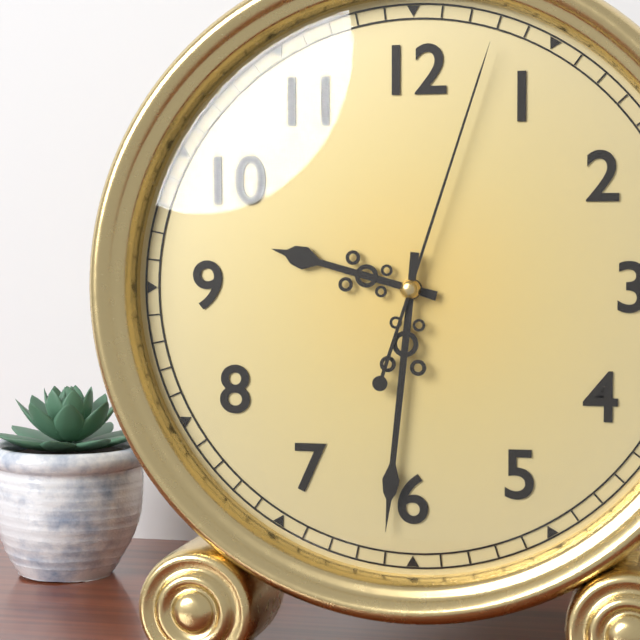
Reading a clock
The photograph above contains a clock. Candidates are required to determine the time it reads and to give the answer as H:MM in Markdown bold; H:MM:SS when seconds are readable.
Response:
**9:31:03**
